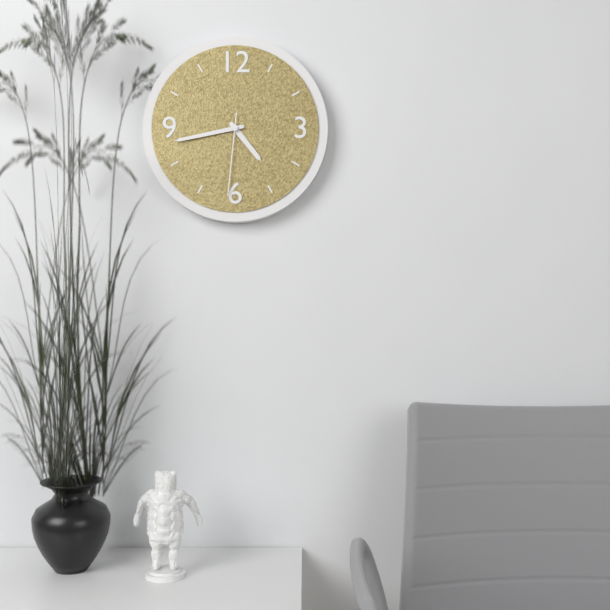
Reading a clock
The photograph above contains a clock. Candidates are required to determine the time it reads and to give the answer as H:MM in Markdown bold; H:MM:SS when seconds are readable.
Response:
**4:43:31**
